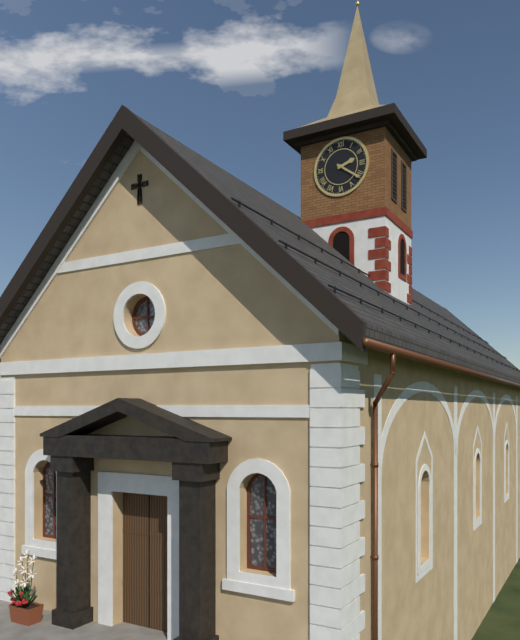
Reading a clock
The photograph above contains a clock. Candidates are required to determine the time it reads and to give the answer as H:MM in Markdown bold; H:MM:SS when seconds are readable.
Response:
**2:21**
